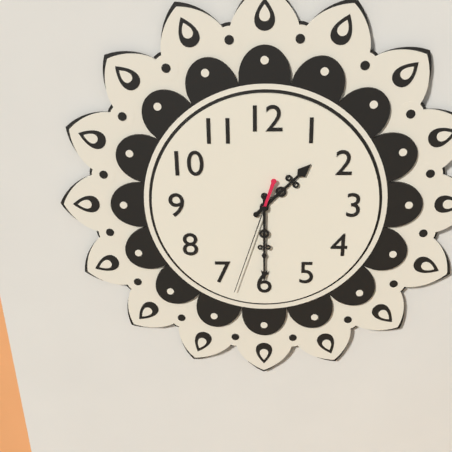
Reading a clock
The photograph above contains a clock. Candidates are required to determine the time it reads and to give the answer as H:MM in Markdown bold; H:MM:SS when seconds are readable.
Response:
**1:30:33**
